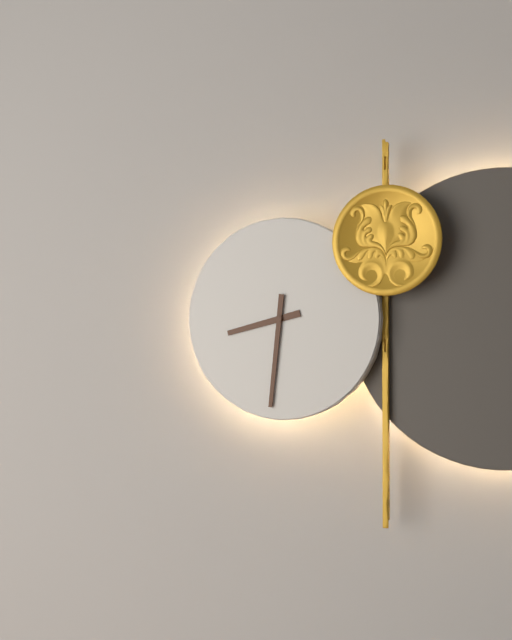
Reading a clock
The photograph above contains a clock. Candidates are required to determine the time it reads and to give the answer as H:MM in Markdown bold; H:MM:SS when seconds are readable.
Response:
**8:31**
